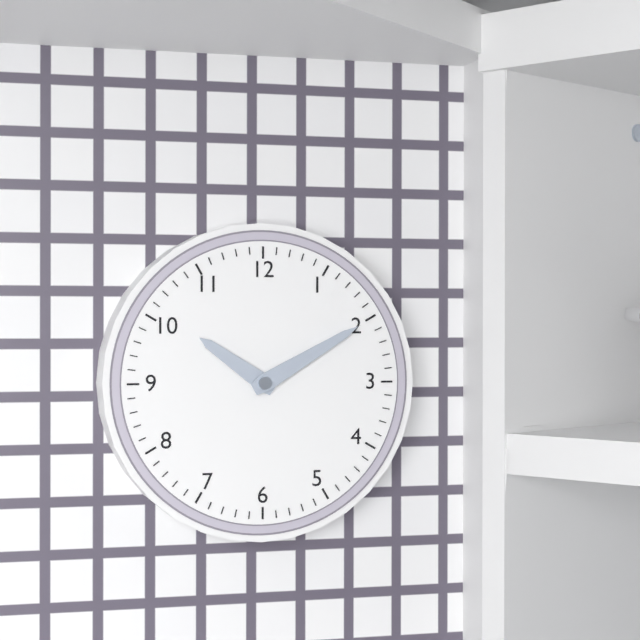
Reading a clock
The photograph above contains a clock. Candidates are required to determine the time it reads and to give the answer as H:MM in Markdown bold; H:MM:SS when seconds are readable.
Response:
**10:10**
